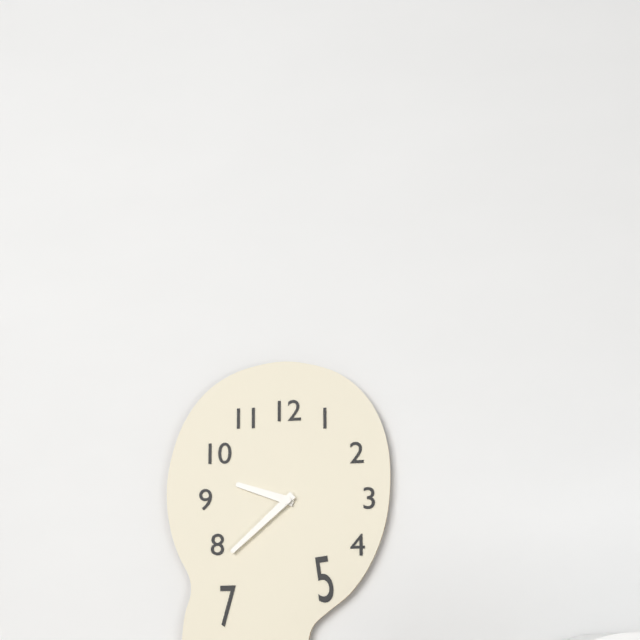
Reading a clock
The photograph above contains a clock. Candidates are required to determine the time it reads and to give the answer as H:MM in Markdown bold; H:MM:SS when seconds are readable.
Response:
**9:38**
